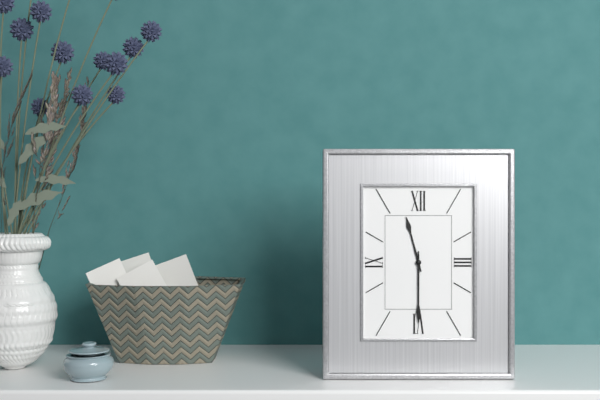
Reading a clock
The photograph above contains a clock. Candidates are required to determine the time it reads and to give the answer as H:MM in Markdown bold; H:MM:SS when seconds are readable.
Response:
**11:30**
